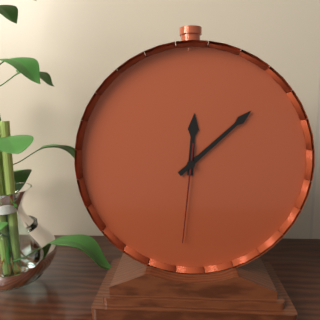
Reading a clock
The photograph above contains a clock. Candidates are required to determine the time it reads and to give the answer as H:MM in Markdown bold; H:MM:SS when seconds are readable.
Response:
**12:08:31**
